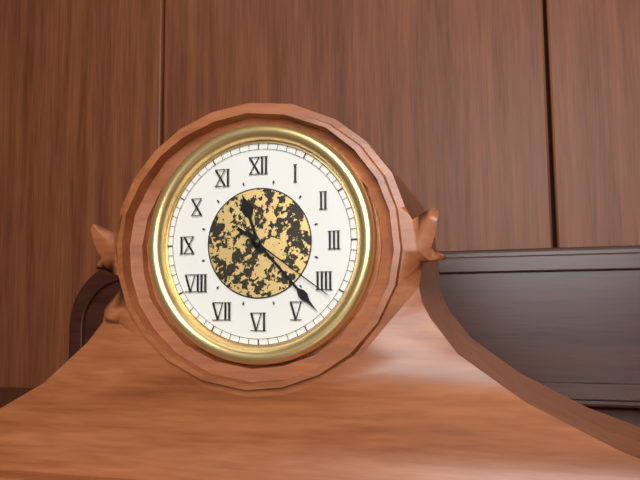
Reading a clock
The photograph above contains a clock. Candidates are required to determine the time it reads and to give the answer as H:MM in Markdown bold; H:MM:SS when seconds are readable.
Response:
**11:23:21**
